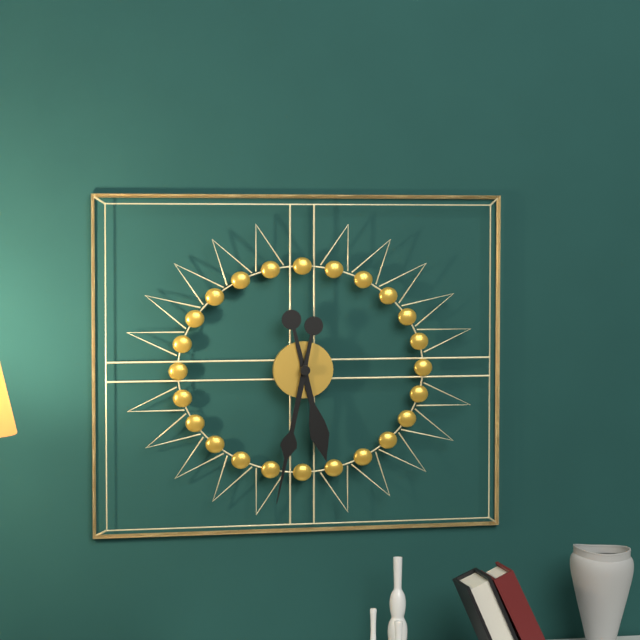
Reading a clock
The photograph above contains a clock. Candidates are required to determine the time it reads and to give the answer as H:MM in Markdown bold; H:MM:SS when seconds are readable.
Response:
**5:32**
